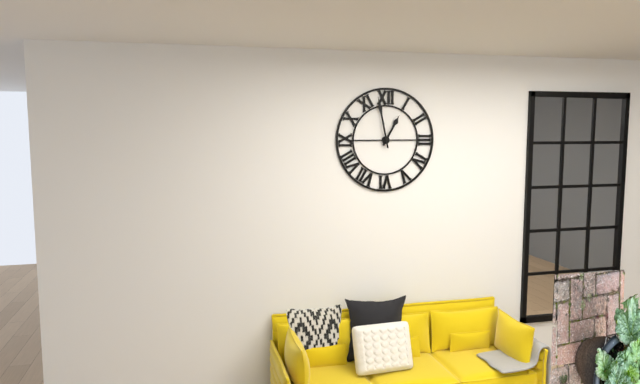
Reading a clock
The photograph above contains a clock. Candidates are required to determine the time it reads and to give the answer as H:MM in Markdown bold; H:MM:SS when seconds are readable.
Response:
**12:58**
